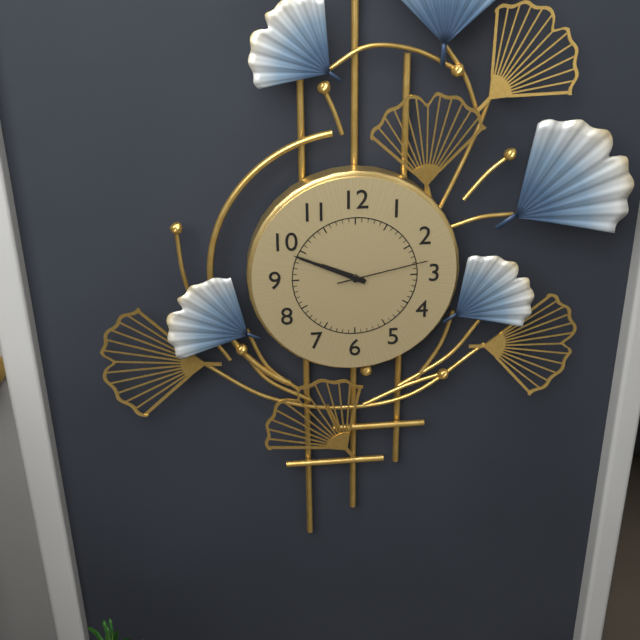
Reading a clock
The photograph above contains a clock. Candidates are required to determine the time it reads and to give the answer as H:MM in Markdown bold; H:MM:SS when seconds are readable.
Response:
**9:49:13**
